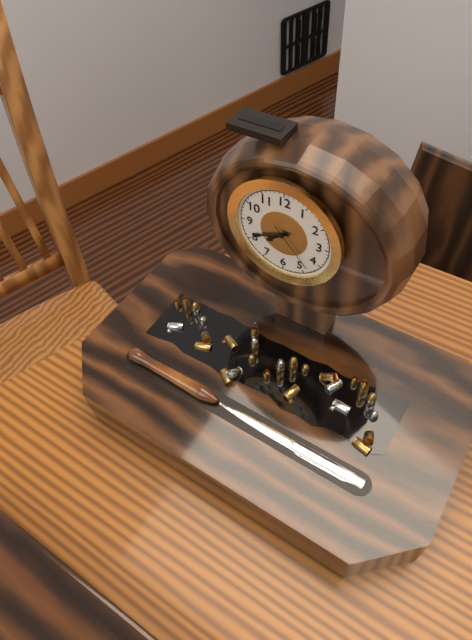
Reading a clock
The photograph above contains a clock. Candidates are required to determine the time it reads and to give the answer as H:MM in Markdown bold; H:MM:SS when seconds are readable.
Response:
**7:41:23**
